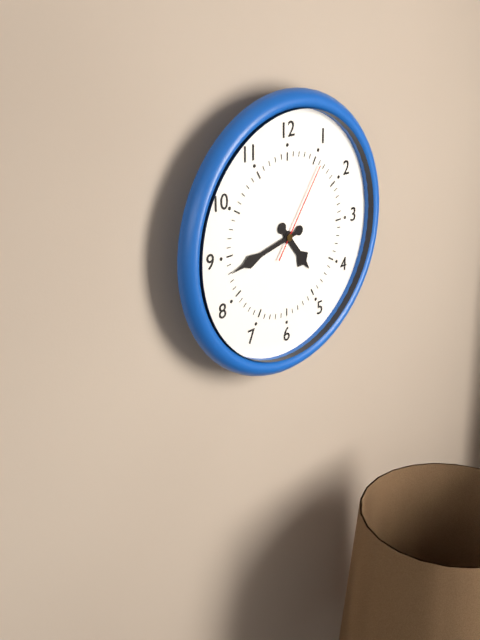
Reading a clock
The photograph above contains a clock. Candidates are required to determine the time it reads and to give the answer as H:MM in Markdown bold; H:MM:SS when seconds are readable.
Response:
**4:43:06**
